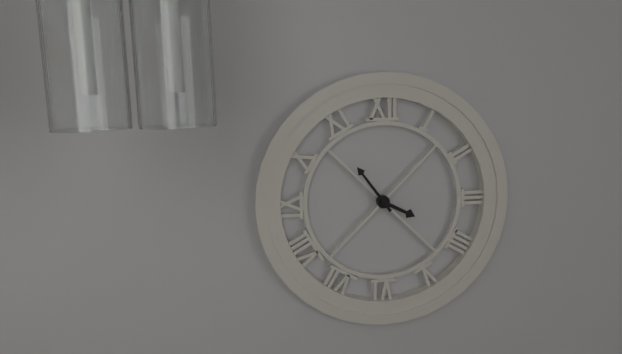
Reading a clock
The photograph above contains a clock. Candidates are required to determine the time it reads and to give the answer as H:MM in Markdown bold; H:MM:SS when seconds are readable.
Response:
**3:54**
